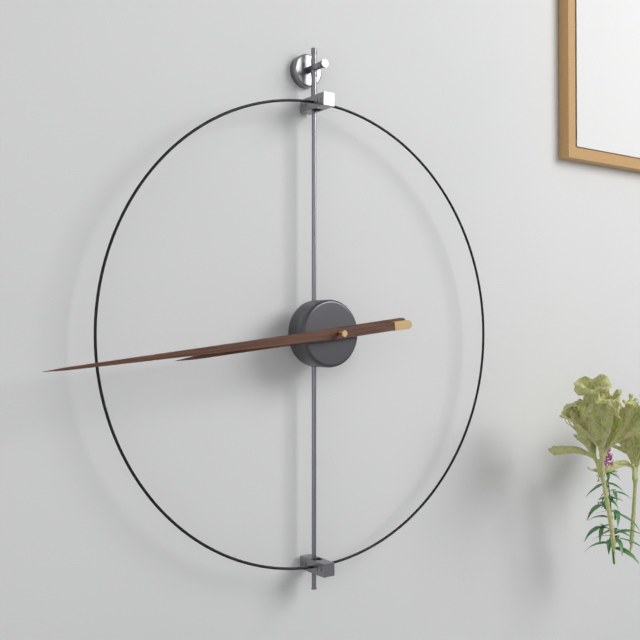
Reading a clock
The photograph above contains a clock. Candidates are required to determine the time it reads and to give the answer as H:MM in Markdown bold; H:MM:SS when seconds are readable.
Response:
**8:44**
